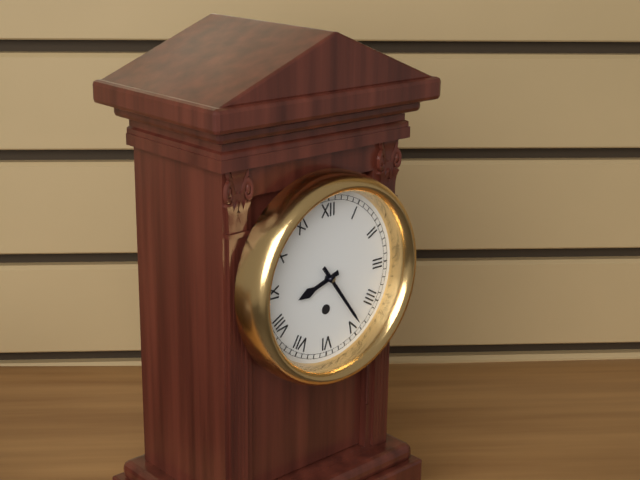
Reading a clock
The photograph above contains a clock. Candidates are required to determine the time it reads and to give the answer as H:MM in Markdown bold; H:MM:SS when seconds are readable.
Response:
**8:24**
